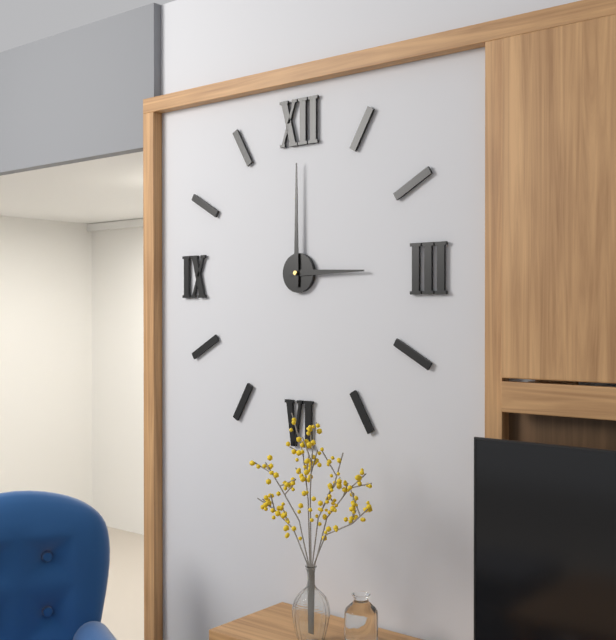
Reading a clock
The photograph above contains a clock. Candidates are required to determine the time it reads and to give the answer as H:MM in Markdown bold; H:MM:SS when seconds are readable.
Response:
**3:00**
